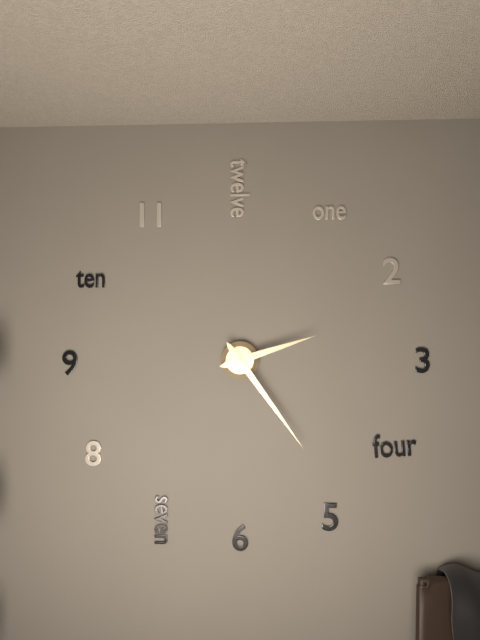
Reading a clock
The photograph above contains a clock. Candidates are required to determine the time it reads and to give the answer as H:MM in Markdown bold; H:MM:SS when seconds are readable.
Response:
**2:24**
